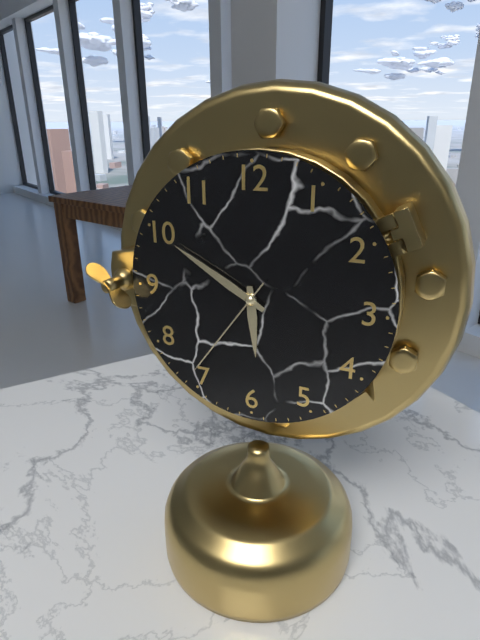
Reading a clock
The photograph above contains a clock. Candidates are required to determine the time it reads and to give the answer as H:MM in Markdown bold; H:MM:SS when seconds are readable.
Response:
**5:50:36**
